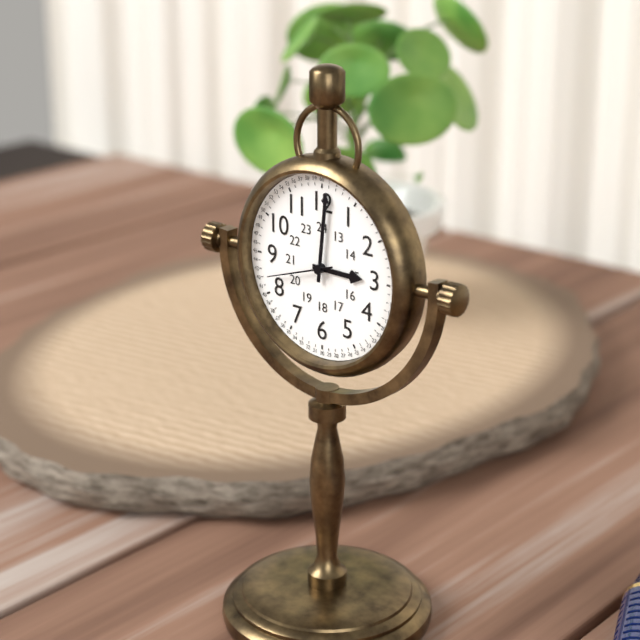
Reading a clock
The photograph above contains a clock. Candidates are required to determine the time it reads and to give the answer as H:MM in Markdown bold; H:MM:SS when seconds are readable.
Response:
**3:01:42**
